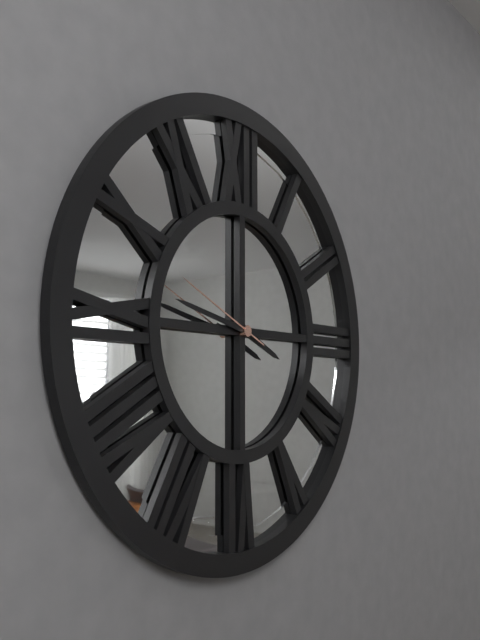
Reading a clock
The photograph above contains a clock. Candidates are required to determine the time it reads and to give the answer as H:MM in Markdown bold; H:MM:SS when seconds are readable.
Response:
**3:47:49**
